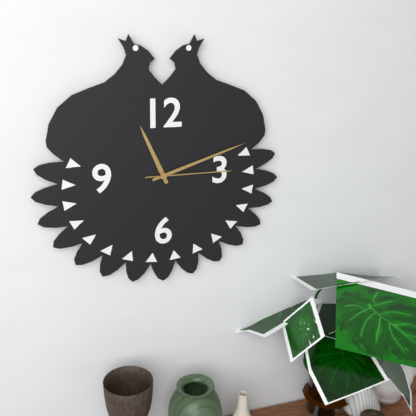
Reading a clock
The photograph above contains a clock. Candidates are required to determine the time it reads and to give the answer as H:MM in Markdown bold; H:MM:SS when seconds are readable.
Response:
**11:12:15**
